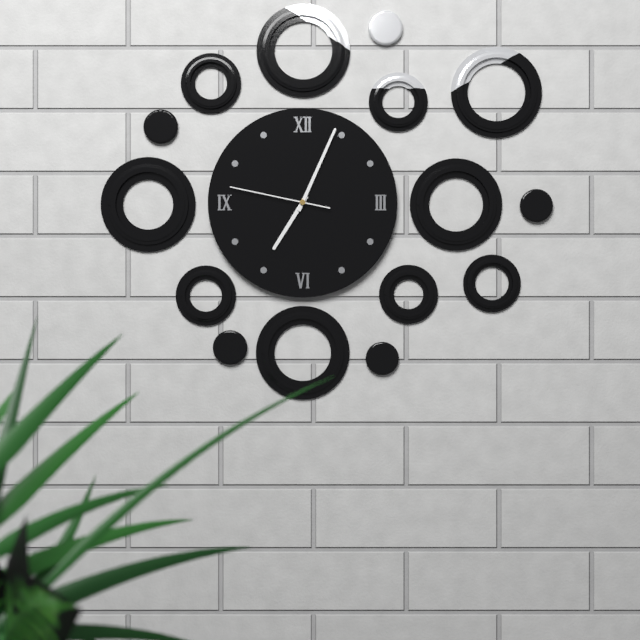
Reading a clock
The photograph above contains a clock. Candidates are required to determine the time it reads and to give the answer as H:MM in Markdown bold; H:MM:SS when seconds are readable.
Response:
**7:04:47**
